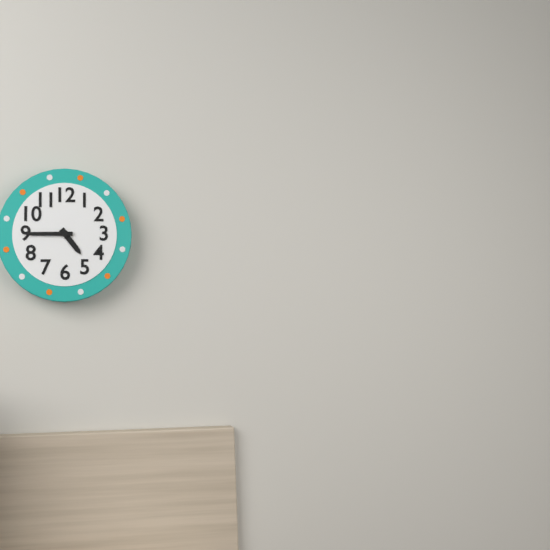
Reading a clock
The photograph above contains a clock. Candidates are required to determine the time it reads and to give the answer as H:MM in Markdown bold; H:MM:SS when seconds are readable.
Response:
**4:45**
